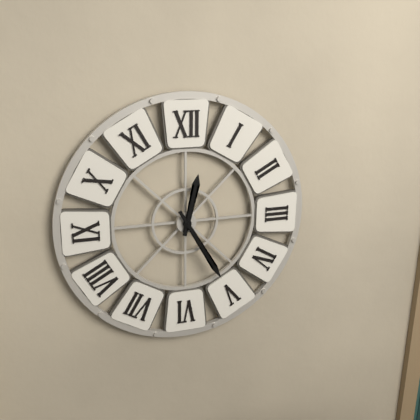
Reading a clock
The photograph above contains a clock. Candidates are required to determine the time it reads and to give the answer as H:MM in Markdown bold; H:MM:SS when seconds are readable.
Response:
**12:25**
